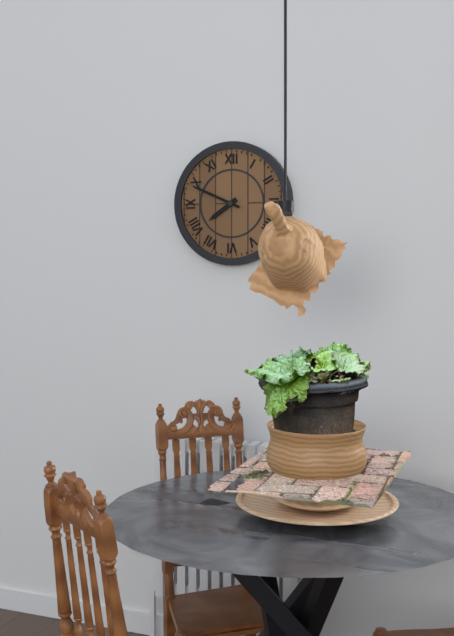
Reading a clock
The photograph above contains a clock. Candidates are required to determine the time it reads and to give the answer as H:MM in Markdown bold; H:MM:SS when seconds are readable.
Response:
**7:49**
